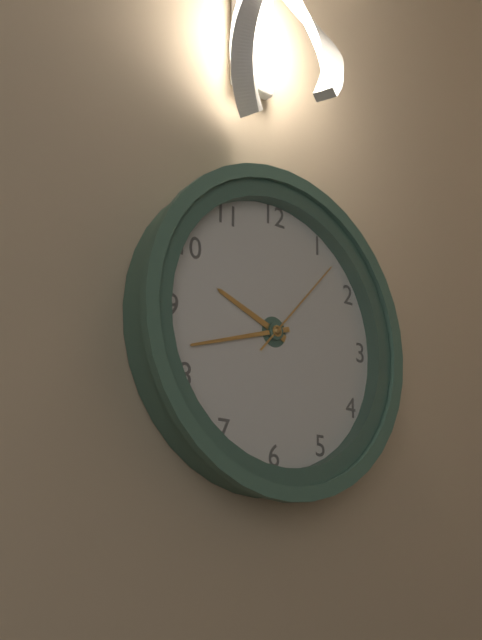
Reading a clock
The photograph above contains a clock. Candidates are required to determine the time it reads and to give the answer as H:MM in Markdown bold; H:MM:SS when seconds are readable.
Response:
**9:42:07**
